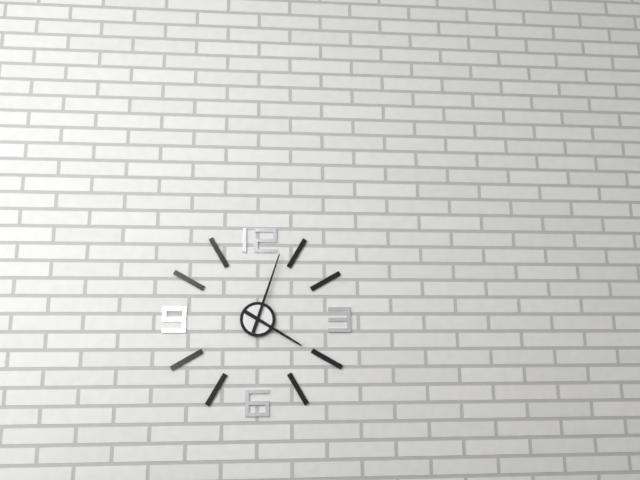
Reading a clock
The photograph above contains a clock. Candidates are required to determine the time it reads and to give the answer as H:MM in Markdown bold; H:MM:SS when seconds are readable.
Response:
**4:03**
